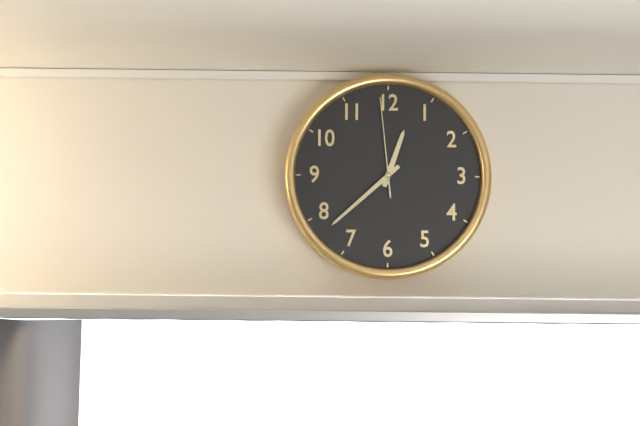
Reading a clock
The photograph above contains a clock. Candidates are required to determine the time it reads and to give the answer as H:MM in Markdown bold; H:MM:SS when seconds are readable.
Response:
**12:38:59**
